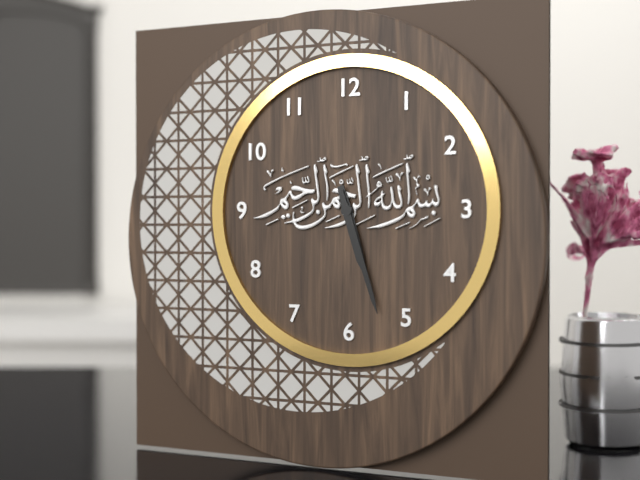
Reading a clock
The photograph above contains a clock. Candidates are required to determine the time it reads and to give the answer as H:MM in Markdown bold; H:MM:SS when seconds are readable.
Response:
**5:27**
